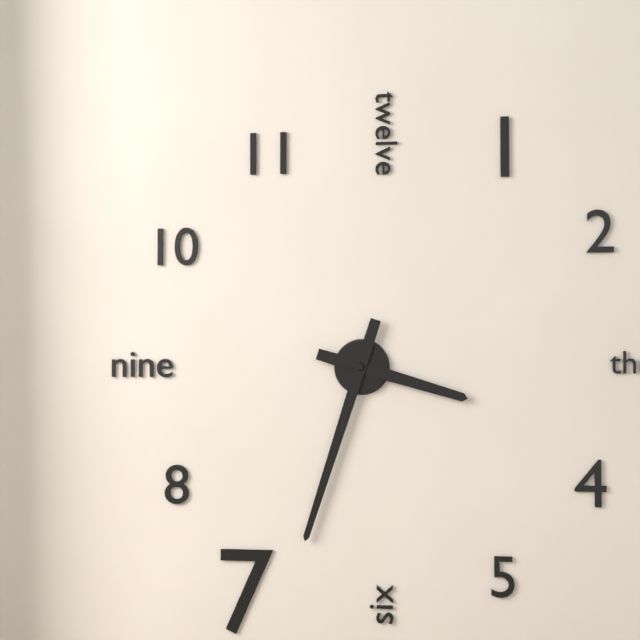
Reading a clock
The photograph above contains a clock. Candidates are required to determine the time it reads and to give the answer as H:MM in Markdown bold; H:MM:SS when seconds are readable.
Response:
**3:33**
